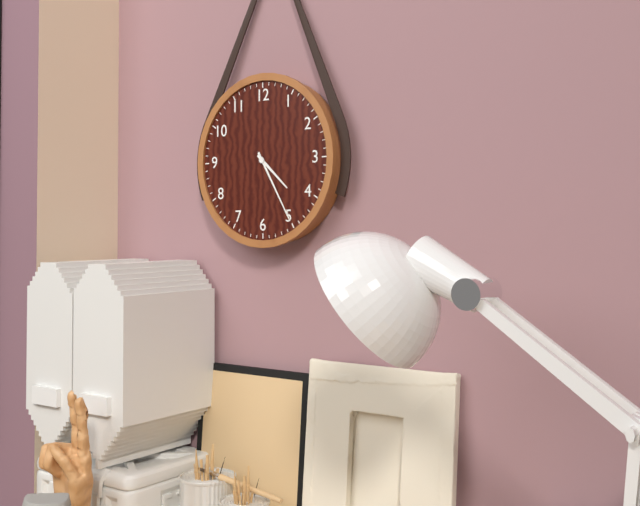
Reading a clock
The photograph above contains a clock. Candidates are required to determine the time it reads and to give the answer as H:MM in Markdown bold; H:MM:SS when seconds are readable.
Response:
**4:25**
